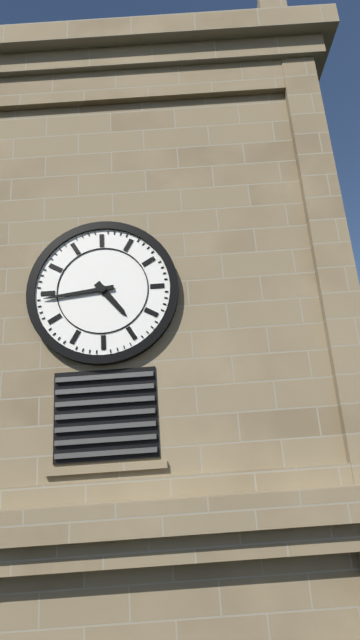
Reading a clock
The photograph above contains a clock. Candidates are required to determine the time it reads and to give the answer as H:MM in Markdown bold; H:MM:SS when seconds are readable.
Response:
**4:44**
